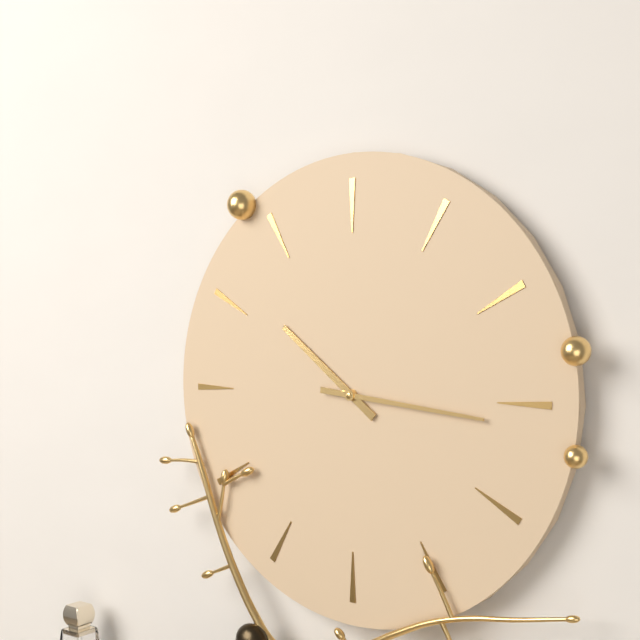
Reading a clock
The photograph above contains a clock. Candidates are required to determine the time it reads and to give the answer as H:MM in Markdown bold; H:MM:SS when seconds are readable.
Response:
**10:16**
